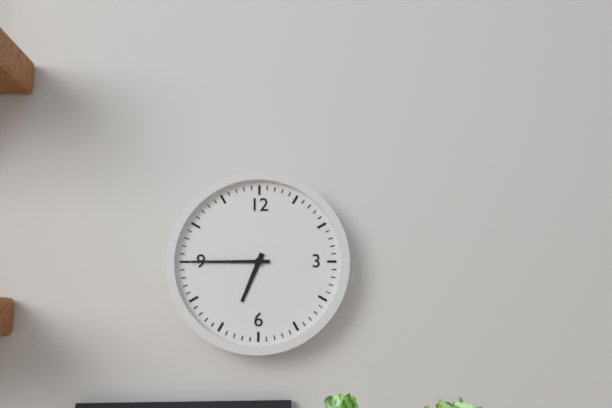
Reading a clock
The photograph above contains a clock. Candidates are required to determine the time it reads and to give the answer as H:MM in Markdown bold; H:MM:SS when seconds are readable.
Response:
**6:45**
